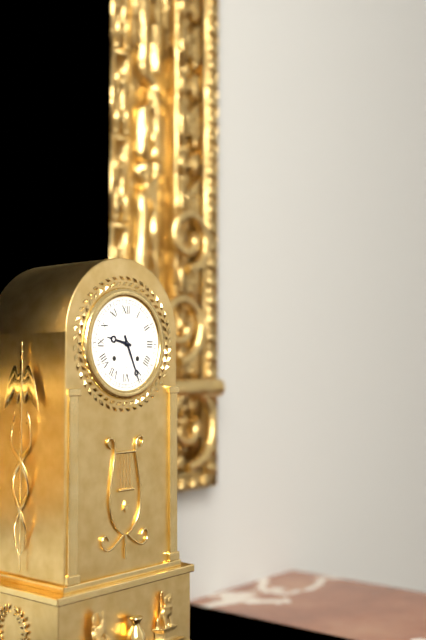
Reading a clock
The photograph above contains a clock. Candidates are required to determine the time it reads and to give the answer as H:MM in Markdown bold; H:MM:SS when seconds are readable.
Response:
**9:26**
